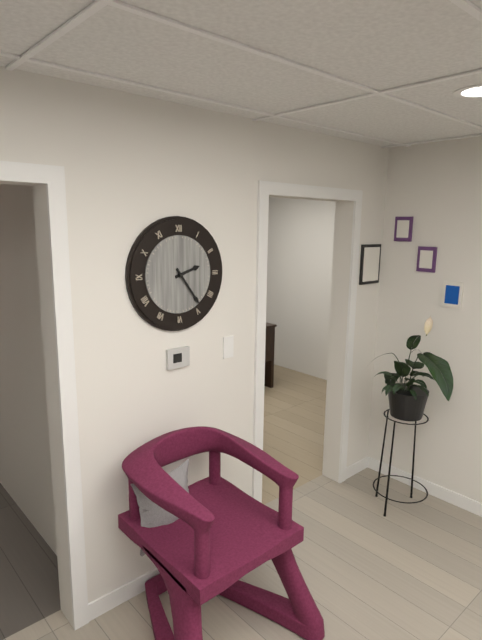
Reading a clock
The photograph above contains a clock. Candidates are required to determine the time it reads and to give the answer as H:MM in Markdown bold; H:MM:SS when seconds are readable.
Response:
**2:24**
